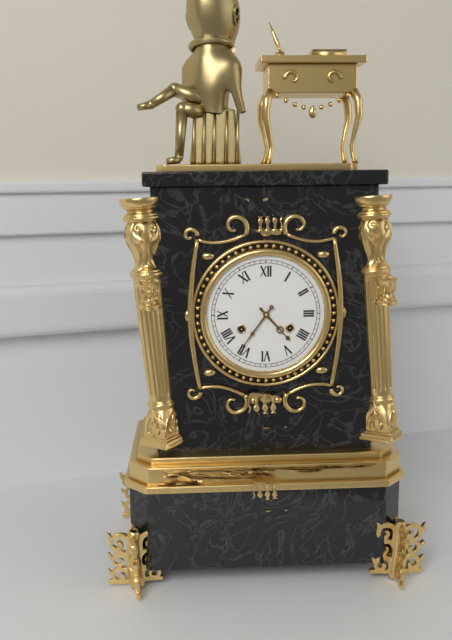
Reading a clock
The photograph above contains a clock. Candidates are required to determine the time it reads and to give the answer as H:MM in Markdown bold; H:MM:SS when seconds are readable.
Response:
**4:36**
